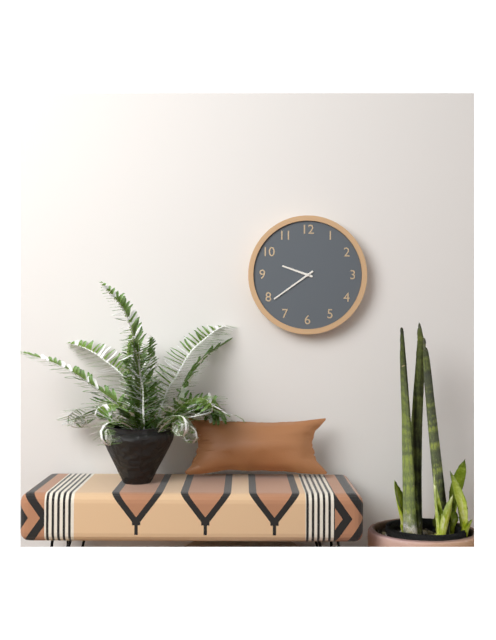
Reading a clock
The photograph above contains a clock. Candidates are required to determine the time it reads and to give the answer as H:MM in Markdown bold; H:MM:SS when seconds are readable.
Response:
**9:39**
